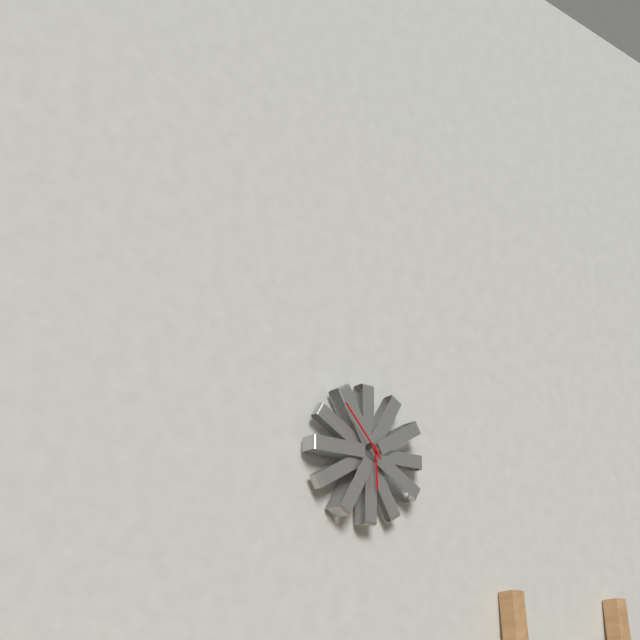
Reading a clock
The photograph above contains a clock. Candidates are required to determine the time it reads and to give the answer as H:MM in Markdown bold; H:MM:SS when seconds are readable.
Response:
**5:53**
